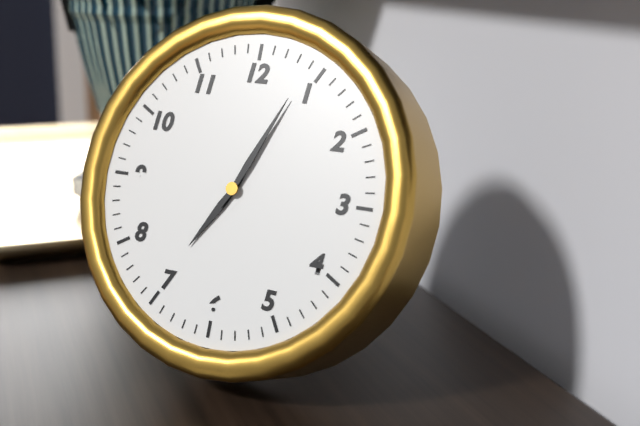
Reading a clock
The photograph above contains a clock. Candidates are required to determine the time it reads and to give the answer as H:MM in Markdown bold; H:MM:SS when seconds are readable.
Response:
**7:04**
